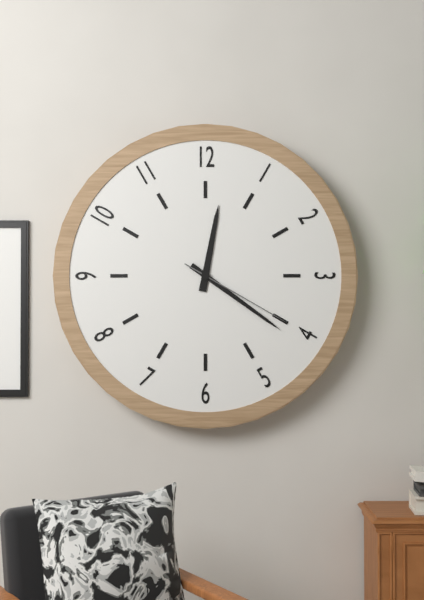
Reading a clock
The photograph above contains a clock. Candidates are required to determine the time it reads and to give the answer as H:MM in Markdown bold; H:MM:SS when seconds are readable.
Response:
**12:21:20**
